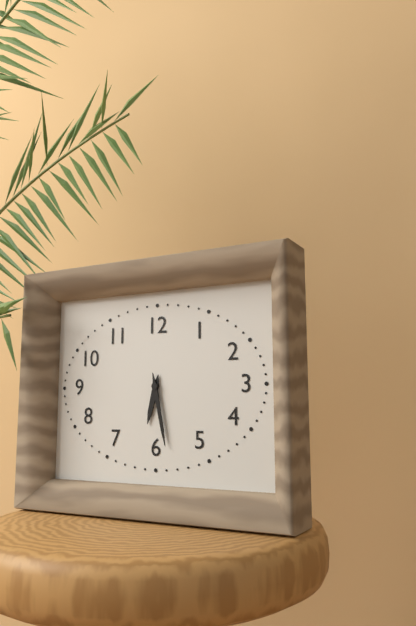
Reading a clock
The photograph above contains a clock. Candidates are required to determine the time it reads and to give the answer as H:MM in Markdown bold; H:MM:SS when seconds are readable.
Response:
**6:28**
